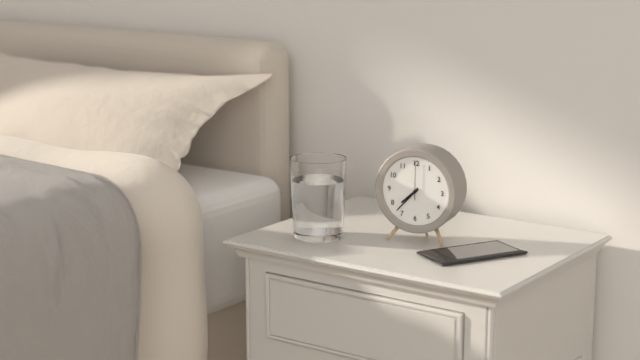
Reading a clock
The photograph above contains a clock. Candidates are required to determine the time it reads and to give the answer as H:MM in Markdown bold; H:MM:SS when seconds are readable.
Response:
**7:37**
